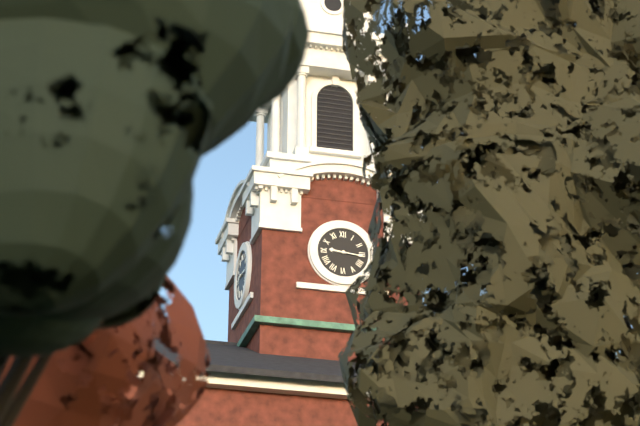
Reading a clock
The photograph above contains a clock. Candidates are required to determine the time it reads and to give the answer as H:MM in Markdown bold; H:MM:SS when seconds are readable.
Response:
**9:16**
